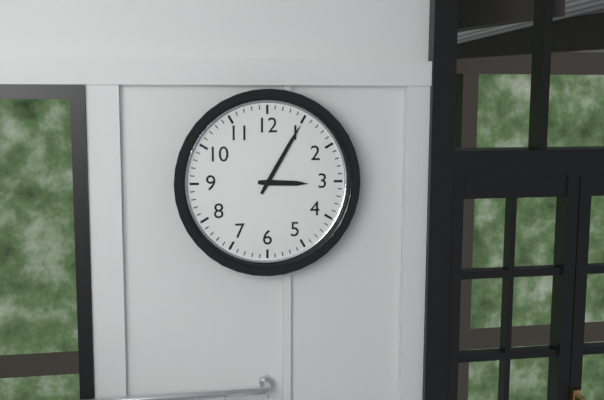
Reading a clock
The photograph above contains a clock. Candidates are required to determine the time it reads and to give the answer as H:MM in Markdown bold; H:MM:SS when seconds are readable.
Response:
**3:05**
